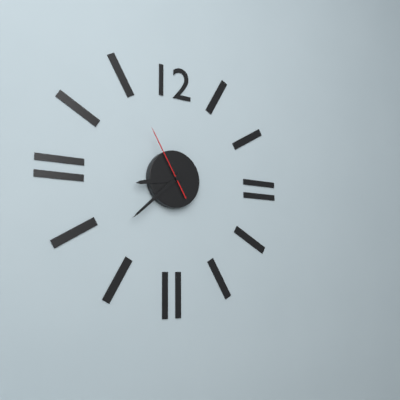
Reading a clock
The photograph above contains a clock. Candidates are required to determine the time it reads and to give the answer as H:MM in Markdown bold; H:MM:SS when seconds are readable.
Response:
**8:38:55**
